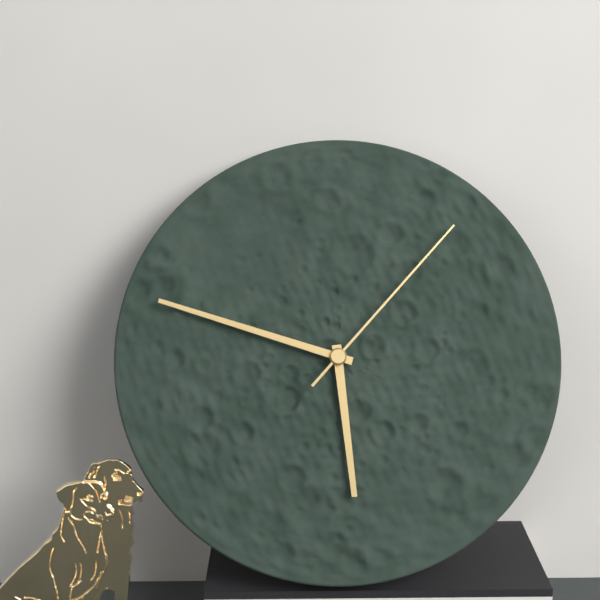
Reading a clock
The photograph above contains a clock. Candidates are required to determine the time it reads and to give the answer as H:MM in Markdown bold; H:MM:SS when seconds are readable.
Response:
**5:48:07**
